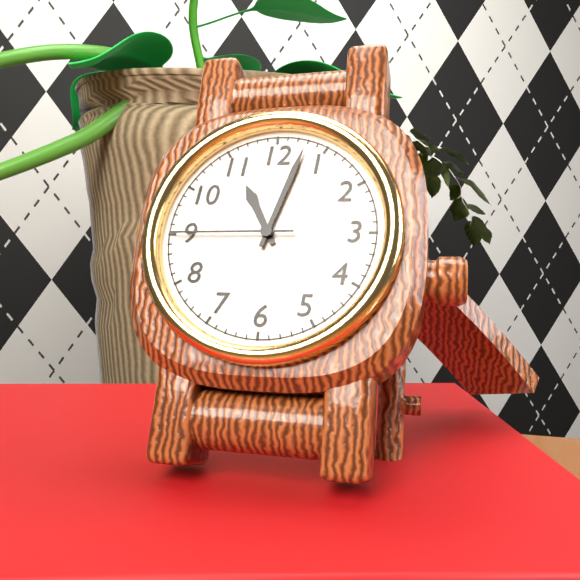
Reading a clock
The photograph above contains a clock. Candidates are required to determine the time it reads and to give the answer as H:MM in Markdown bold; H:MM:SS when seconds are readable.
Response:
**11:03:45**
